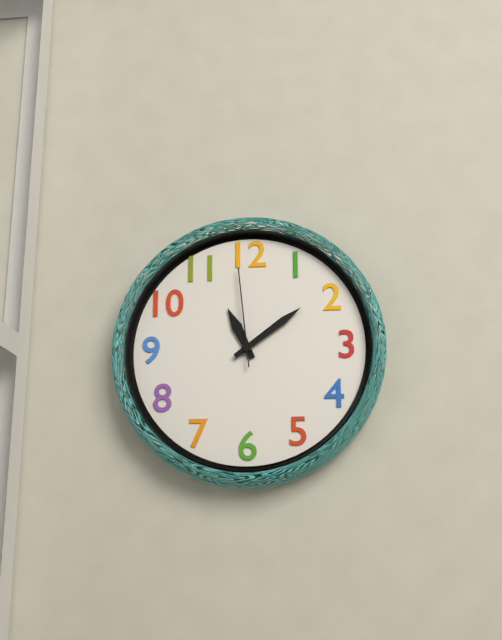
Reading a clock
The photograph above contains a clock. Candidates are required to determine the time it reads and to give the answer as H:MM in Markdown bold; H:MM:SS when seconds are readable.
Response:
**11:09:59**
